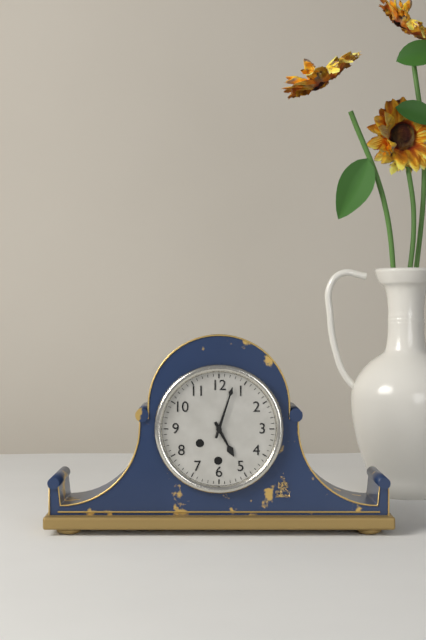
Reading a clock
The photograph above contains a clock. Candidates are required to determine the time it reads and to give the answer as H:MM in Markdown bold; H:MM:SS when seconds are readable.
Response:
**5:03**
